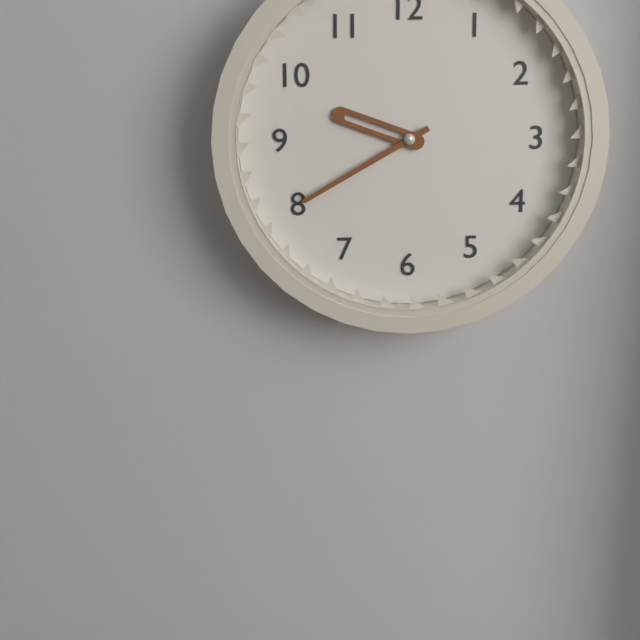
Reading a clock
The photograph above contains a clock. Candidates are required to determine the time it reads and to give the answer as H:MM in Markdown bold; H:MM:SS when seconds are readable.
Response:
**9:40**
